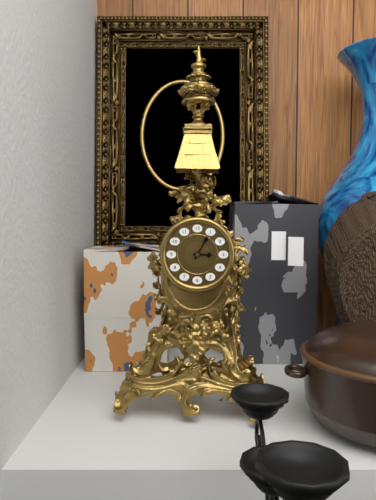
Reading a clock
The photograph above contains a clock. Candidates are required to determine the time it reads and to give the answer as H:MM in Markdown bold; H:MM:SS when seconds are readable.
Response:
**3:05**
